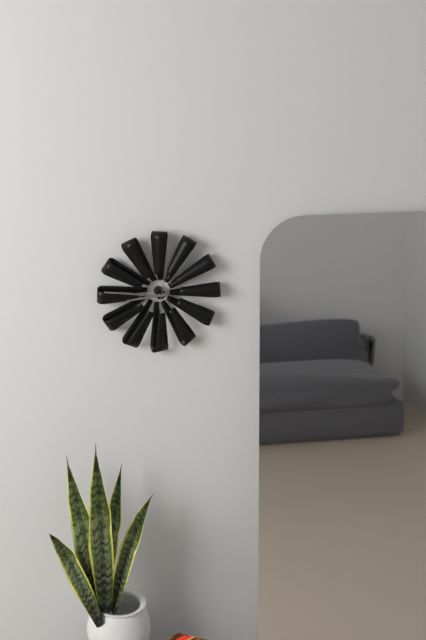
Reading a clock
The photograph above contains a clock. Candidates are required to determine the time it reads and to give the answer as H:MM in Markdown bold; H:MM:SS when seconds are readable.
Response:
**8:46:02**
